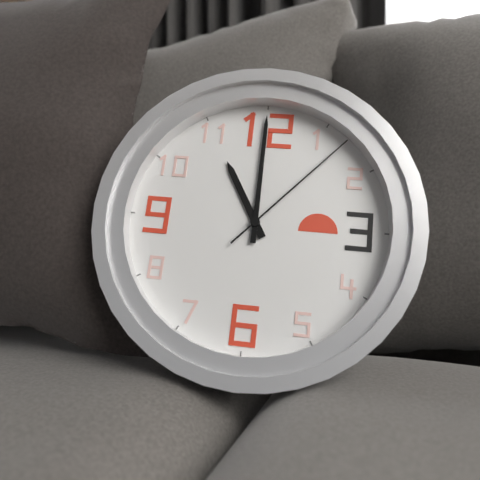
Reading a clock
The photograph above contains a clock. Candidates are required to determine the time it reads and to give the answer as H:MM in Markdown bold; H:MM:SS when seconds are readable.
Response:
**11:00:07**
